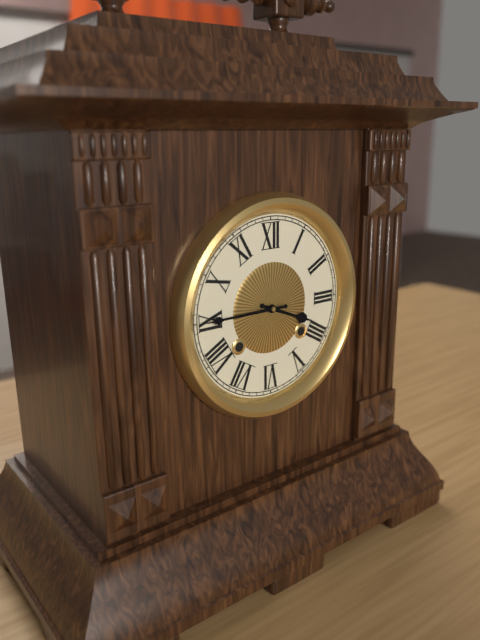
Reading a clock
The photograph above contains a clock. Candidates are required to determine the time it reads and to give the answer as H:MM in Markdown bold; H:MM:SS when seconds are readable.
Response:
**3:45**
